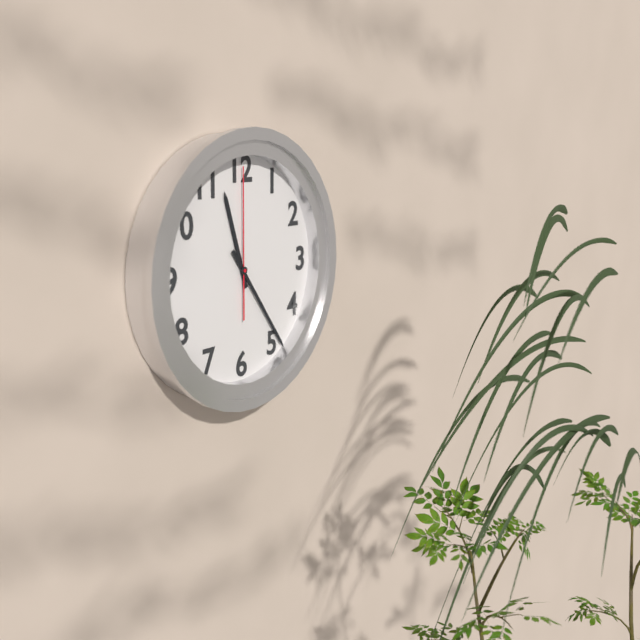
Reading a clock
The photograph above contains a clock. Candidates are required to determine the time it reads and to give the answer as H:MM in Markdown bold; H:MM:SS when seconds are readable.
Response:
**11:24:00**
